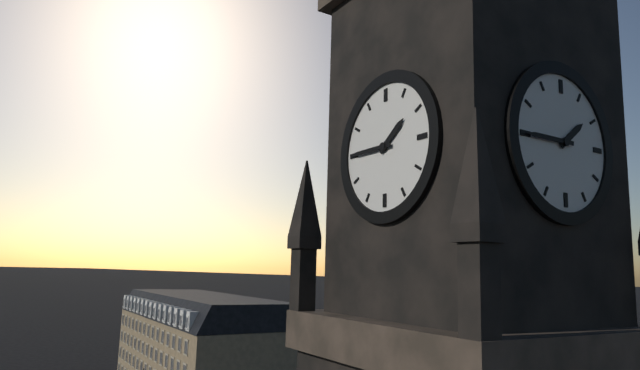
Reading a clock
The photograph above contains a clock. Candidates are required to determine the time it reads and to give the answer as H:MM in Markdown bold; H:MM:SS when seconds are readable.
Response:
**1:45**
